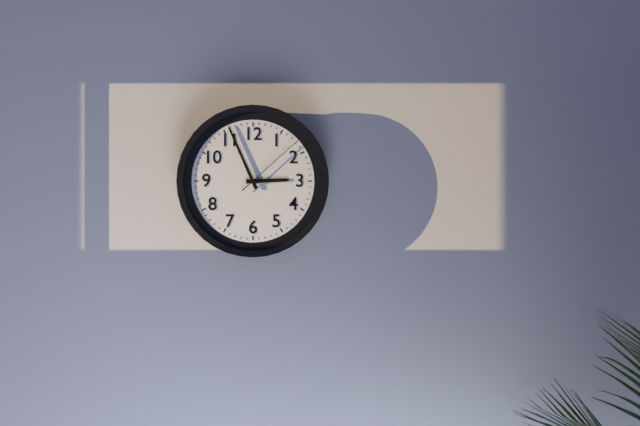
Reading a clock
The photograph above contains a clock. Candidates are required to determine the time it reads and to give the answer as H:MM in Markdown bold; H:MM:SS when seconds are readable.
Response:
**2:56:08**
